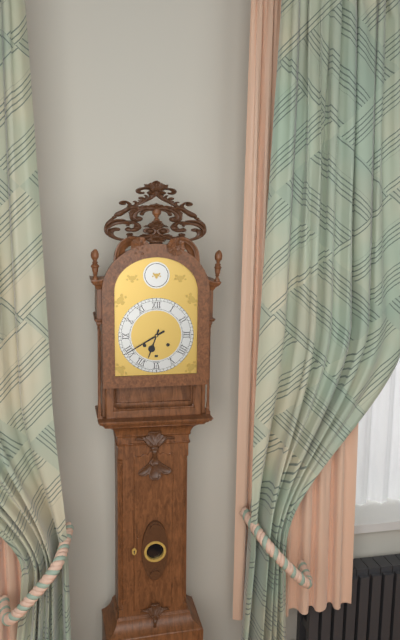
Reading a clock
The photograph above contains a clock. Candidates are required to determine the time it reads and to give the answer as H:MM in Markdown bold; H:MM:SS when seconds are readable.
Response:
**6:40**
